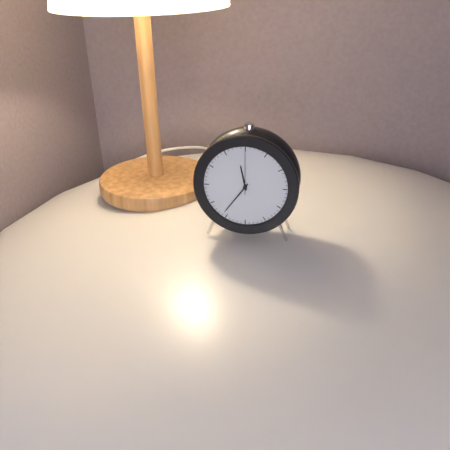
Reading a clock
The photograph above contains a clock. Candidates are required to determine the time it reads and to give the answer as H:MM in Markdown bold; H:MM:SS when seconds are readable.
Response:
**11:36**
